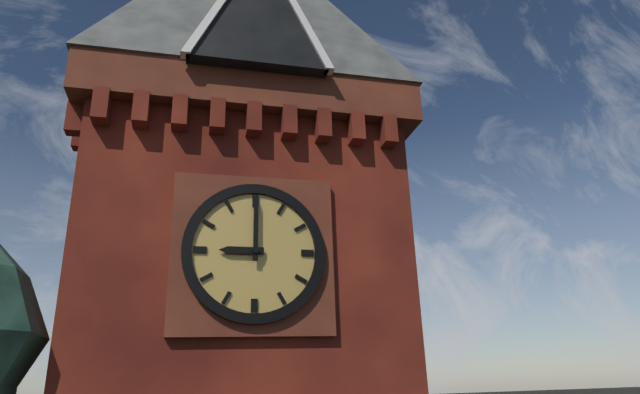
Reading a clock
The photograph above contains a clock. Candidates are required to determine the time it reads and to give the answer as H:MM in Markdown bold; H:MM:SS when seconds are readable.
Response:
**9:00**
